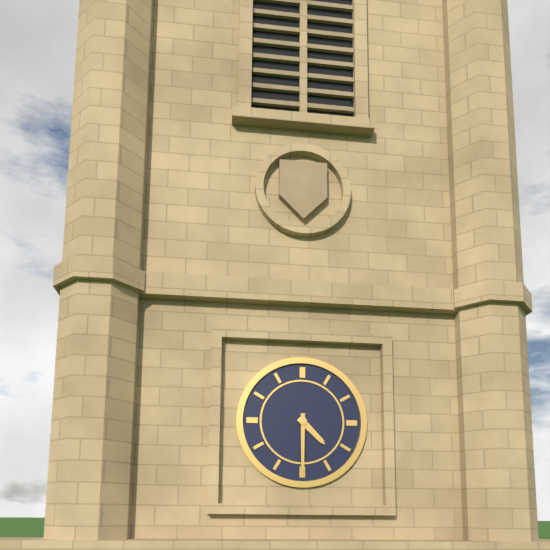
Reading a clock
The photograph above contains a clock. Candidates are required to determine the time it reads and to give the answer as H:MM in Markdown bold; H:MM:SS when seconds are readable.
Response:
**4:30**
